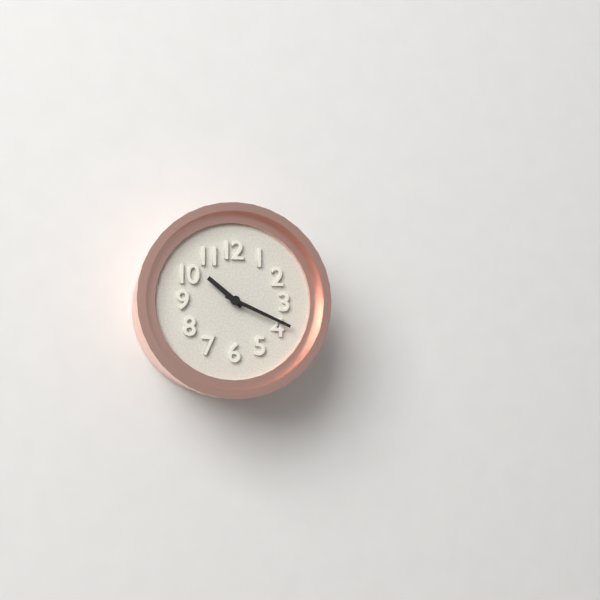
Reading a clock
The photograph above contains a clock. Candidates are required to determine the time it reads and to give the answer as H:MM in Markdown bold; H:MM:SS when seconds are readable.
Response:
**10:19**
